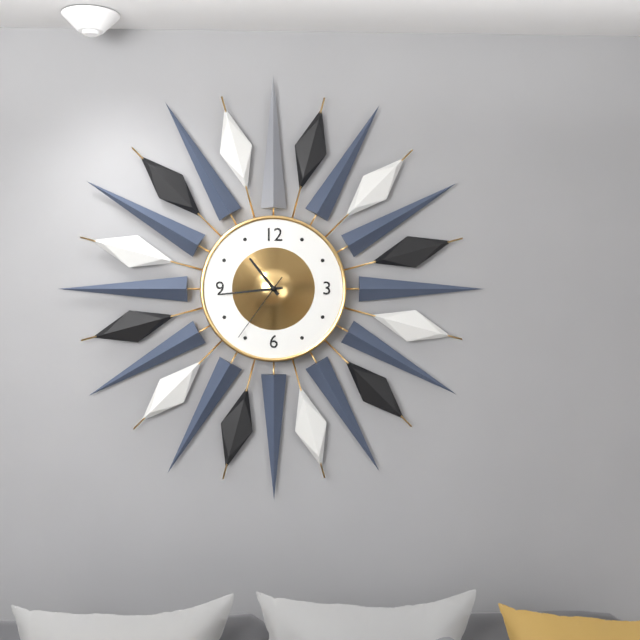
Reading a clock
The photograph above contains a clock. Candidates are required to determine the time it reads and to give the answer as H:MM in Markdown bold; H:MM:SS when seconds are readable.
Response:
**10:44:36**
